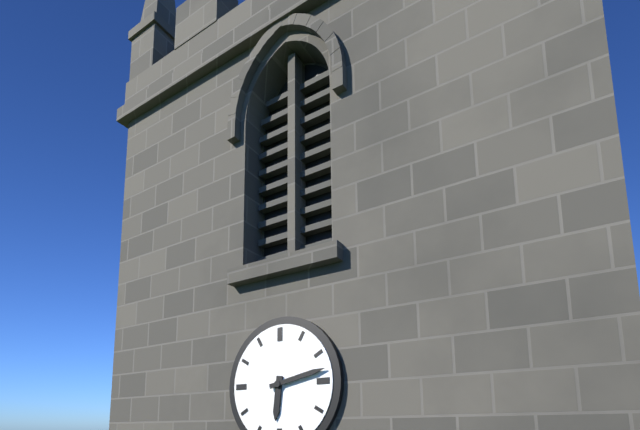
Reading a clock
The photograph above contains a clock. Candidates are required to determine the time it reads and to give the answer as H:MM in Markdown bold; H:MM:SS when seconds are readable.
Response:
**6:13**
